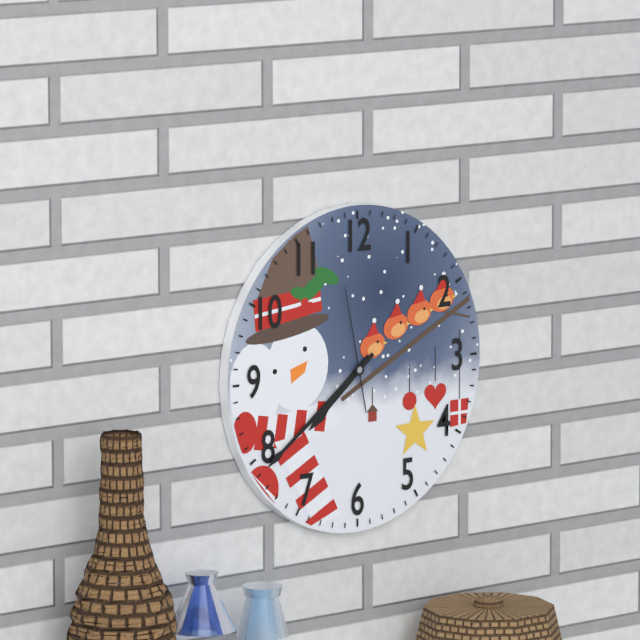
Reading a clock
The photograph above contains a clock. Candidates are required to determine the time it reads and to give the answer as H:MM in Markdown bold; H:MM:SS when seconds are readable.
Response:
**7:39:58**
